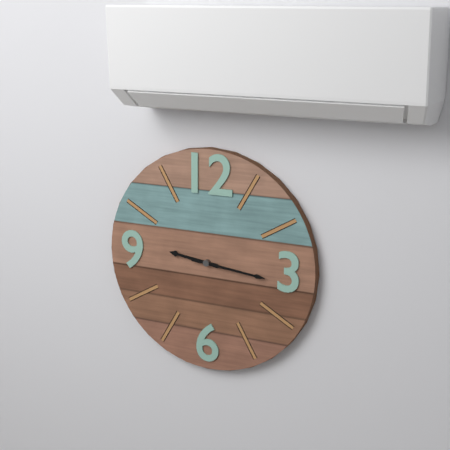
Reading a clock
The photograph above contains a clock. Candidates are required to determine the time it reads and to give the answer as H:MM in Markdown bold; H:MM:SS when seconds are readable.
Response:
**9:16**
